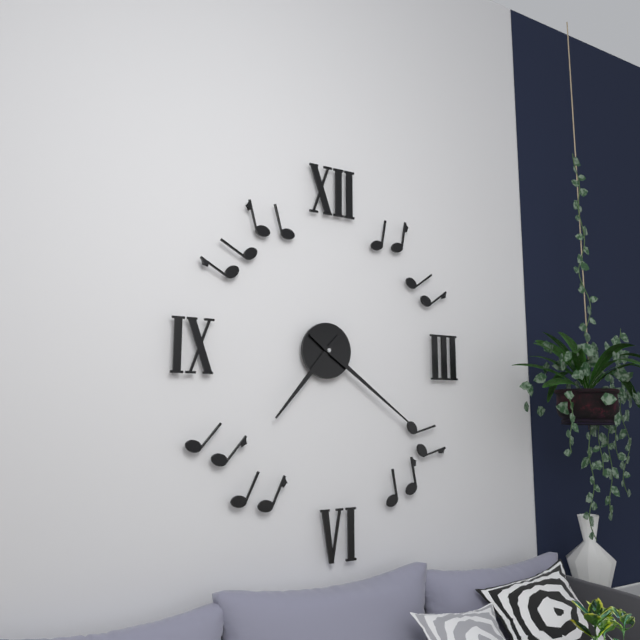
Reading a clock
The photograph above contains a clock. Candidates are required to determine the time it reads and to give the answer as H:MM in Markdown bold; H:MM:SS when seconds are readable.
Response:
**7:21**
